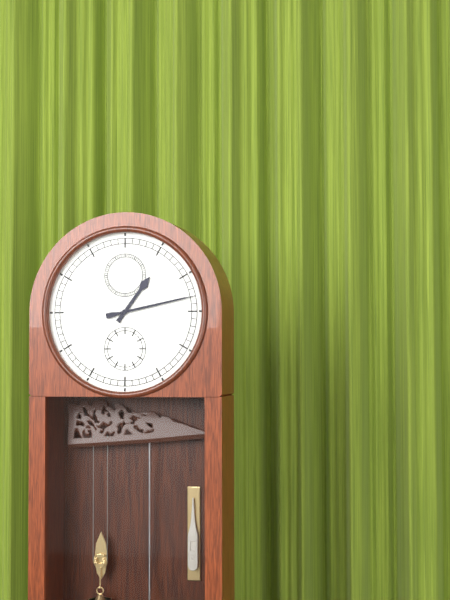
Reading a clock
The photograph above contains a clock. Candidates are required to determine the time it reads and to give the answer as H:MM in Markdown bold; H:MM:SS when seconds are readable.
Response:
**1:13**
